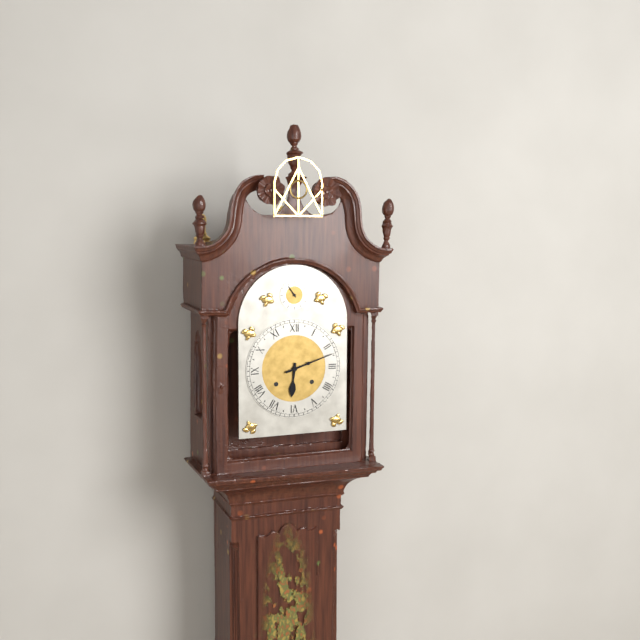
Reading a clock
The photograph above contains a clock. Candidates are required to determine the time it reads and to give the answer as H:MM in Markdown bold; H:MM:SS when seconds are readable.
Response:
**6:12**
